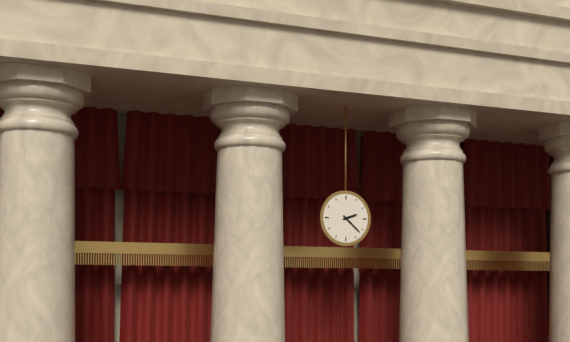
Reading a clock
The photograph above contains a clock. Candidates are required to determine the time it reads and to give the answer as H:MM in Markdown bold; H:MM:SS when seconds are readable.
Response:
**2:22**
